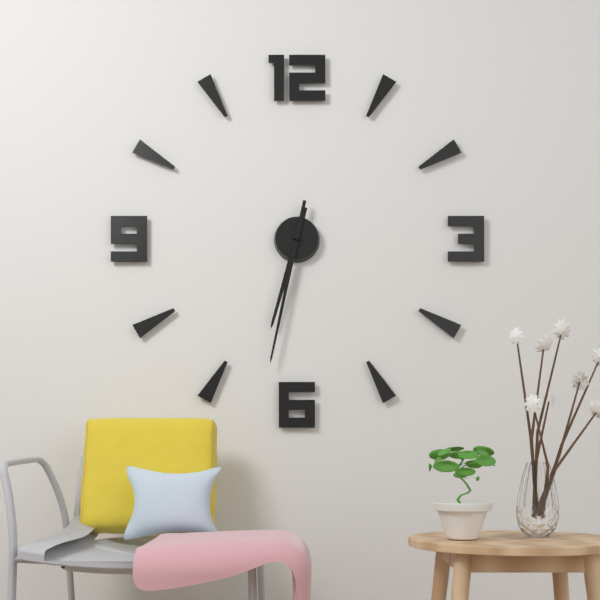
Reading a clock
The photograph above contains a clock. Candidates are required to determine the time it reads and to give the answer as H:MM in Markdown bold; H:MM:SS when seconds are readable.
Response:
**6:32**
